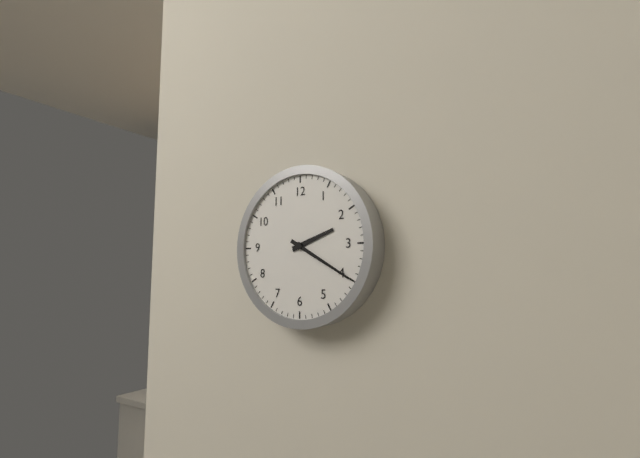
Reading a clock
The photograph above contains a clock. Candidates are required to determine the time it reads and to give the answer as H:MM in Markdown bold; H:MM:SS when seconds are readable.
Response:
**2:20**
